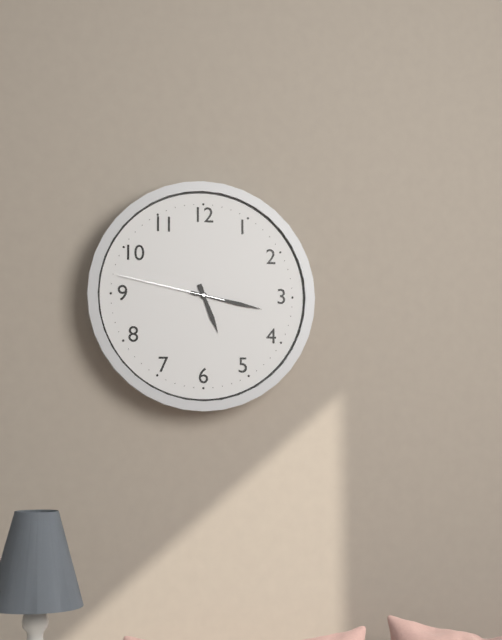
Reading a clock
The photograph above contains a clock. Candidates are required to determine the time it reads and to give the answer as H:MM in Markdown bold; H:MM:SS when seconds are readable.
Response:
**5:17:47**
